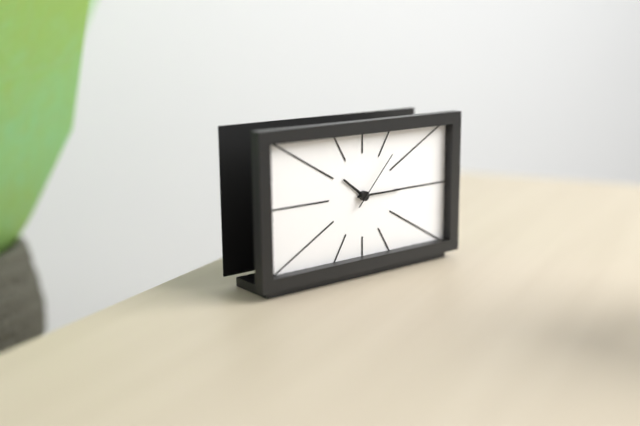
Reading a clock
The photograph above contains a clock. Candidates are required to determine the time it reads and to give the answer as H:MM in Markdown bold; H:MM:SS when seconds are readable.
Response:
**10:15:07**
